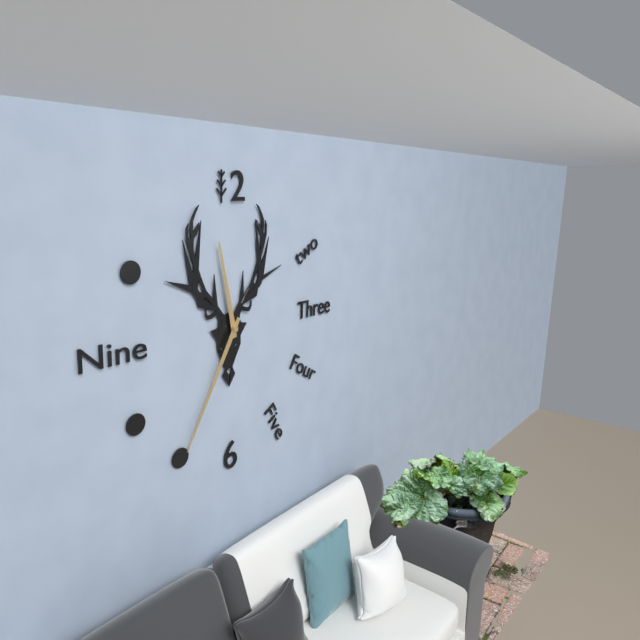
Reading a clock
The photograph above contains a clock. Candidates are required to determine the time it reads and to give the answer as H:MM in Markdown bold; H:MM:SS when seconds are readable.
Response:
**11:35**
